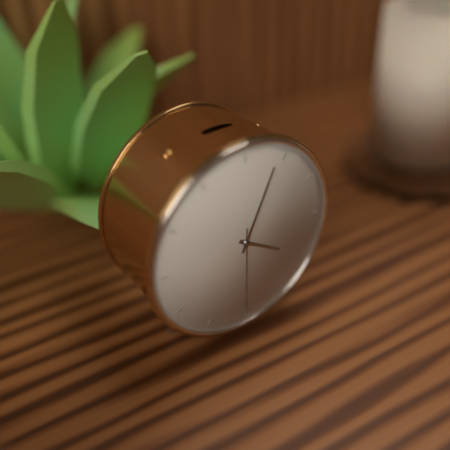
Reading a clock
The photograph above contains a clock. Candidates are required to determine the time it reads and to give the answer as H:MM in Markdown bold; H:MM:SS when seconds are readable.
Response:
**4:04:30**
